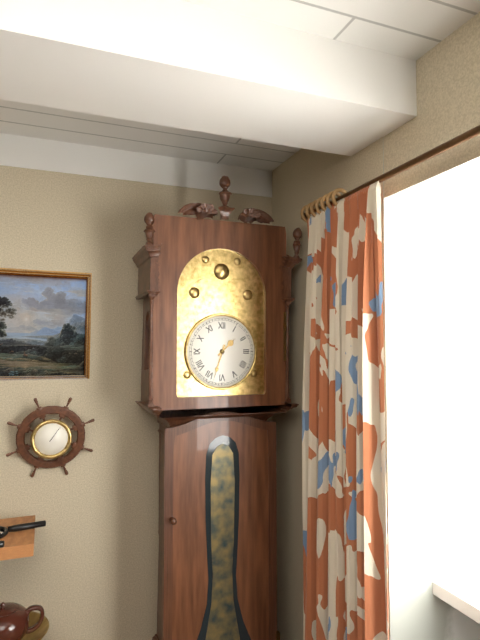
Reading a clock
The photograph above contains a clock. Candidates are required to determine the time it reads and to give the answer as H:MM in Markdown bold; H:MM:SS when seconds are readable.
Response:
**1:33**
